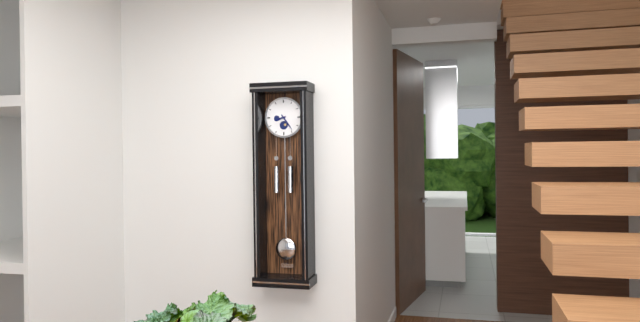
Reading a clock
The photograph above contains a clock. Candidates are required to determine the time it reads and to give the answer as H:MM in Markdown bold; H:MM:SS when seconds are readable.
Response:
**8:24**
